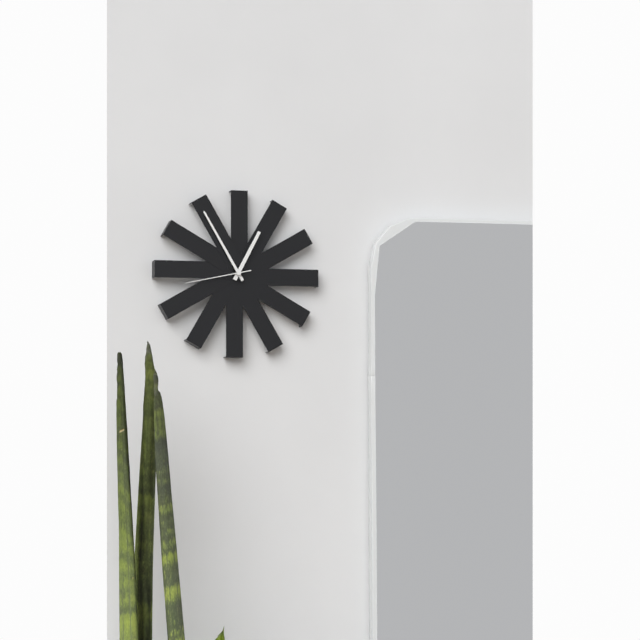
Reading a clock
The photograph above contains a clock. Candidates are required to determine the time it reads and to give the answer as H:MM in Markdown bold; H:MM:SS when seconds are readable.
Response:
**12:55:43**
